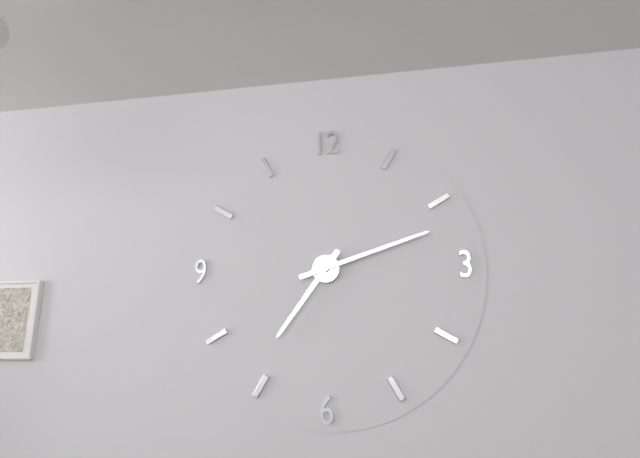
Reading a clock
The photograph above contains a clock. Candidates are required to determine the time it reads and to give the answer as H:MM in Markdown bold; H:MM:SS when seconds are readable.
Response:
**7:12**
